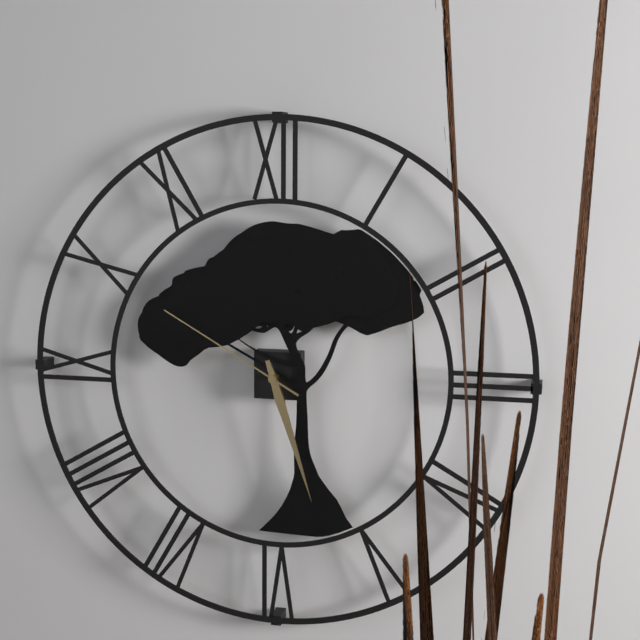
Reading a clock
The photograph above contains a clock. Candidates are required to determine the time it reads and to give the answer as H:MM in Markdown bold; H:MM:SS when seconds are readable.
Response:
**5:27:50**
